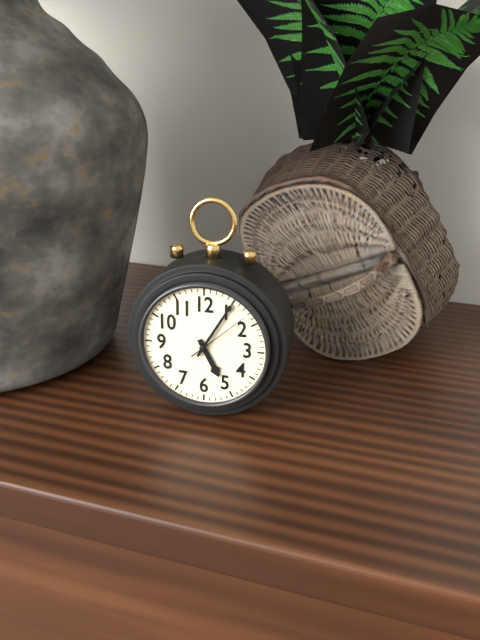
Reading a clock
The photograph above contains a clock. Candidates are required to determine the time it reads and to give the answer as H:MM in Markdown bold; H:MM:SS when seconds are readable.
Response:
**5:05:08**
